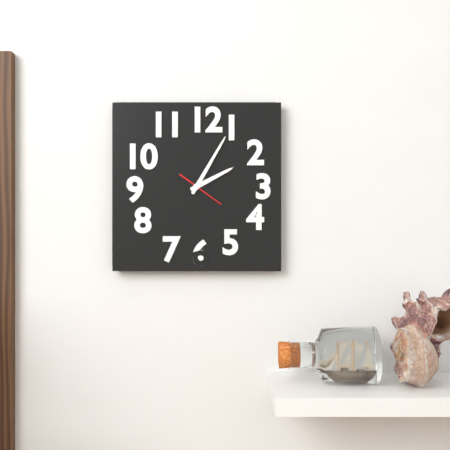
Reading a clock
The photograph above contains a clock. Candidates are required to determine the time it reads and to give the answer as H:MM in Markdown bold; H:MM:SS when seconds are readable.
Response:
**2:05**
